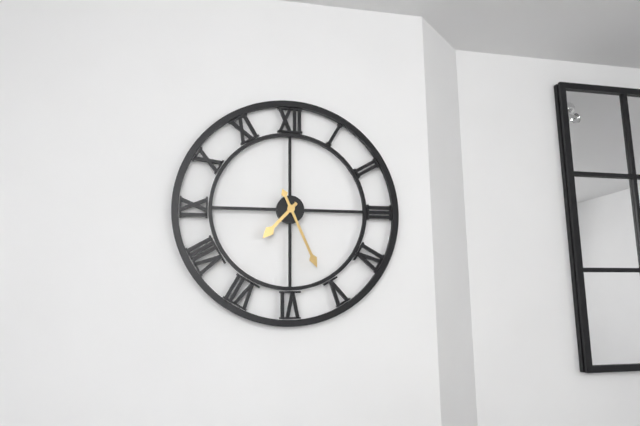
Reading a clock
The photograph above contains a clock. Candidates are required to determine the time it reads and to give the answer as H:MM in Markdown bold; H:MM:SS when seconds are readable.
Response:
**7:26**
